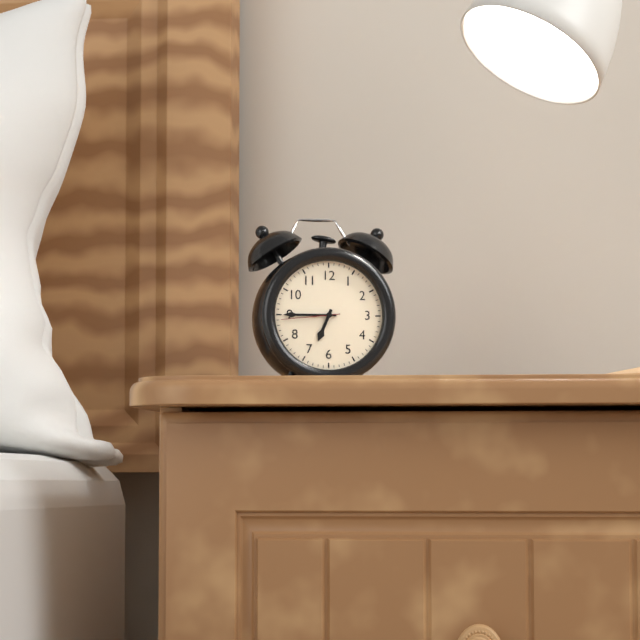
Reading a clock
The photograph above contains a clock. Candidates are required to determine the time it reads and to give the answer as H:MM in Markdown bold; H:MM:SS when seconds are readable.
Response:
**6:45:44**
